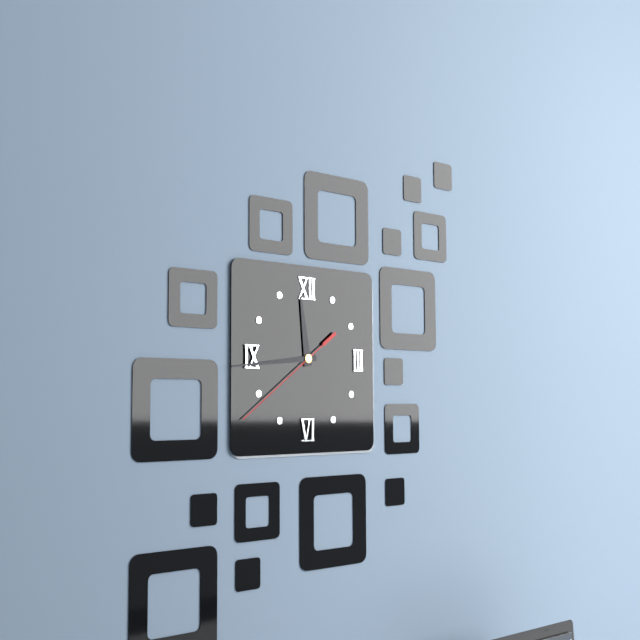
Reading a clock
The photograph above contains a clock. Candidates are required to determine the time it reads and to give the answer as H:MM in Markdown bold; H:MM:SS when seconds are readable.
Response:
**11:44:39**
